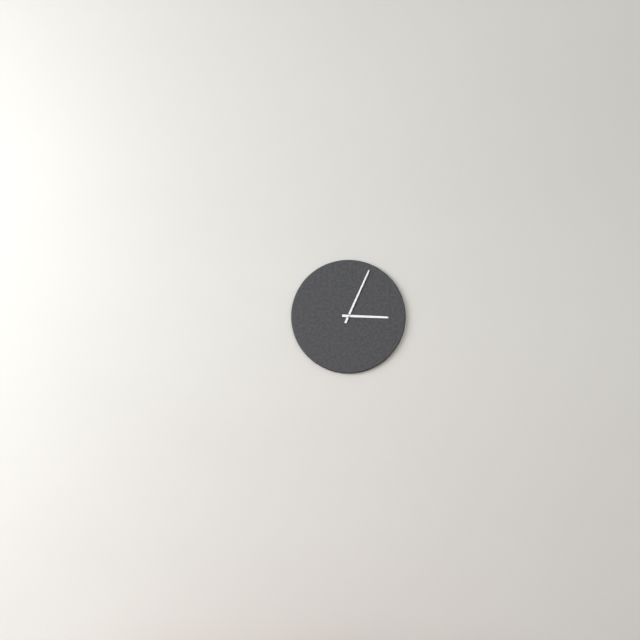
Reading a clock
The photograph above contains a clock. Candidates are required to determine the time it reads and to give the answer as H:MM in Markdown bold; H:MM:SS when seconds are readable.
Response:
**3:04**
